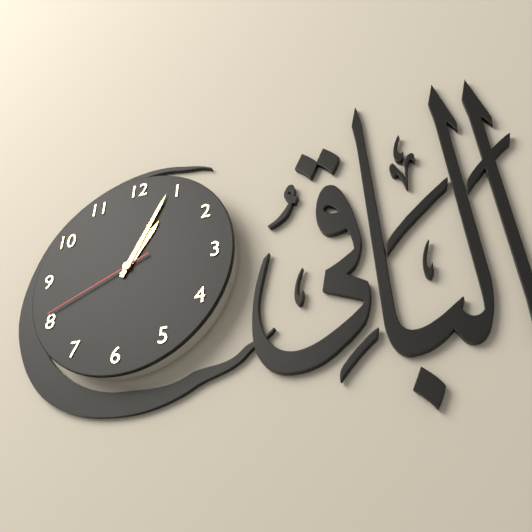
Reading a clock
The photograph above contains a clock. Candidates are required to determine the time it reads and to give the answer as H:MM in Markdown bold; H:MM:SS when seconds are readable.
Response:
**1:04:41**
